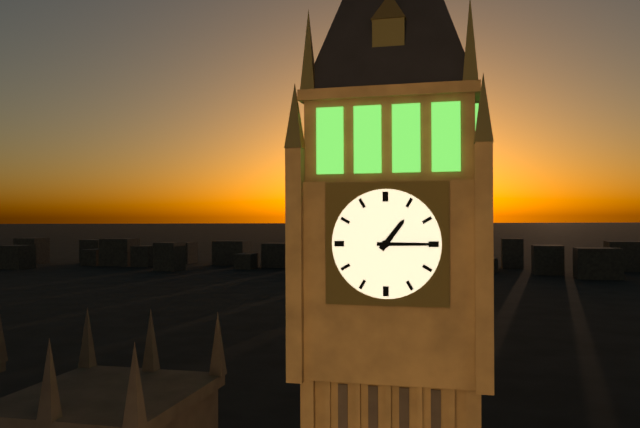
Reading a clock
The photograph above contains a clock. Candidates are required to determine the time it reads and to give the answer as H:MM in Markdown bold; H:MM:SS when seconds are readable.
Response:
**1:15**
